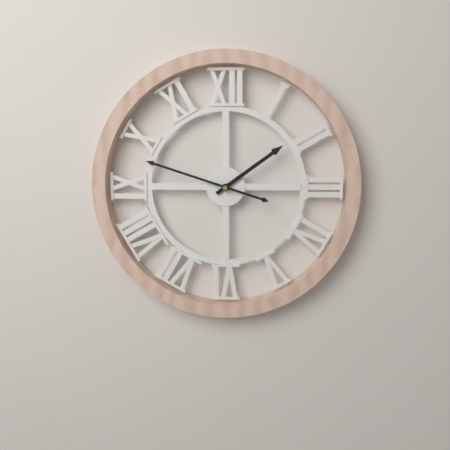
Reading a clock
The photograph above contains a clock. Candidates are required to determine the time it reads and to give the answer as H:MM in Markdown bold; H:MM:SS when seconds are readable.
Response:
**1:48**
